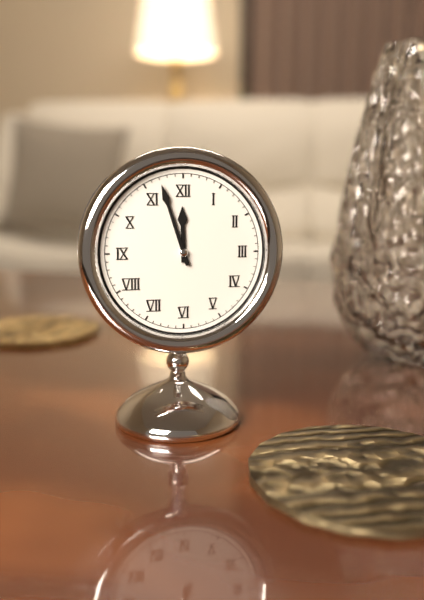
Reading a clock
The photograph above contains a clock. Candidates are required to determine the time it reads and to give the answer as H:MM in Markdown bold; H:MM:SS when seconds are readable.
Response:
**11:57**
